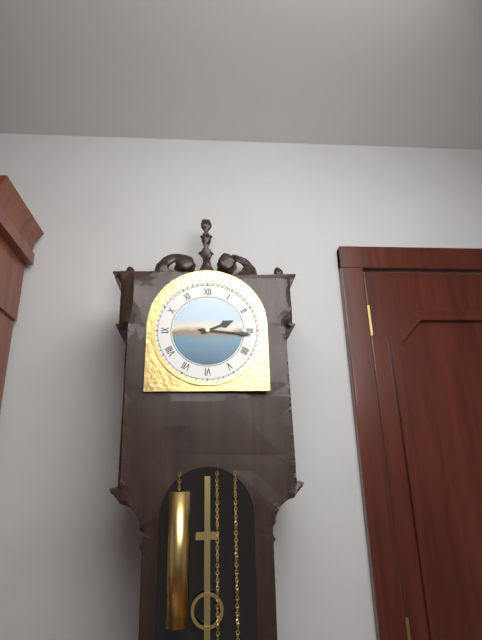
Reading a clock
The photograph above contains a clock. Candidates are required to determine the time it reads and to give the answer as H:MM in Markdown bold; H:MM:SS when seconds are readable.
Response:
**2:16**
